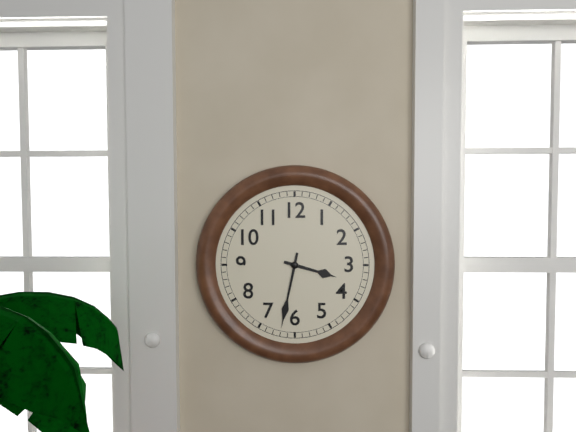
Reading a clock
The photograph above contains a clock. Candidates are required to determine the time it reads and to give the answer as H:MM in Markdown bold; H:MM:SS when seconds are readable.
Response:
**3:32**
